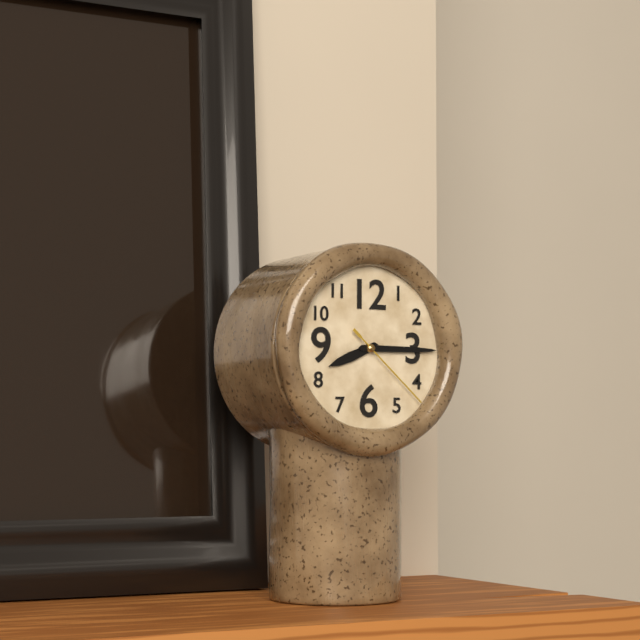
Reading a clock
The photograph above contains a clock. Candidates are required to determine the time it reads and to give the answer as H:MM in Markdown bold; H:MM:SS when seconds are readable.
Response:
**8:15:22**
